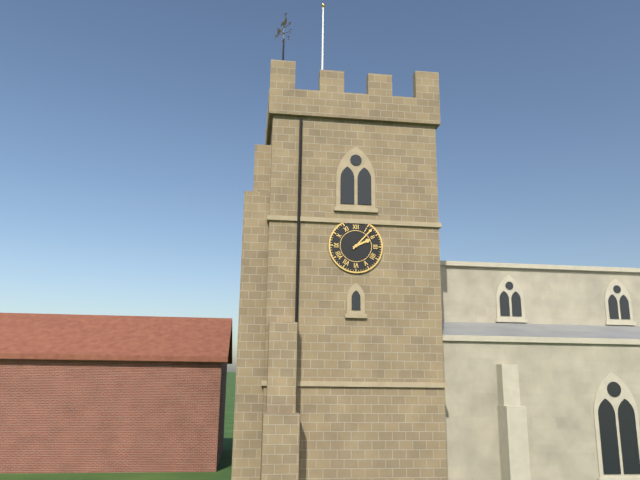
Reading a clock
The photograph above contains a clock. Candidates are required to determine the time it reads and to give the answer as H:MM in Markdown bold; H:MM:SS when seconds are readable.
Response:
**2:07**
